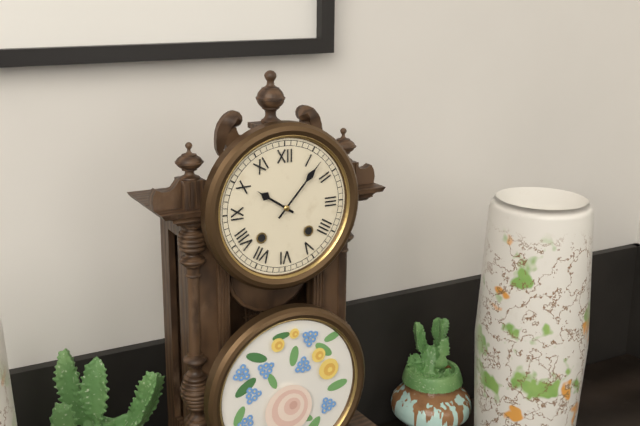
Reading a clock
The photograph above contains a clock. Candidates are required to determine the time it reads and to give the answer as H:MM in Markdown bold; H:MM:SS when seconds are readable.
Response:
**10:07**
